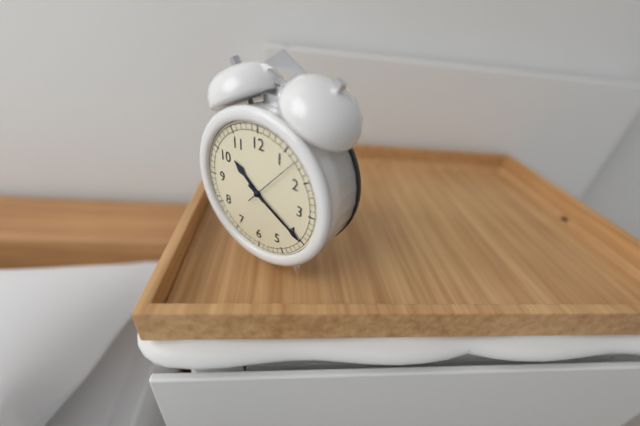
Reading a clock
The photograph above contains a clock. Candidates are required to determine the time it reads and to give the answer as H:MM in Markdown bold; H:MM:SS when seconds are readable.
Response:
**10:20:07**
